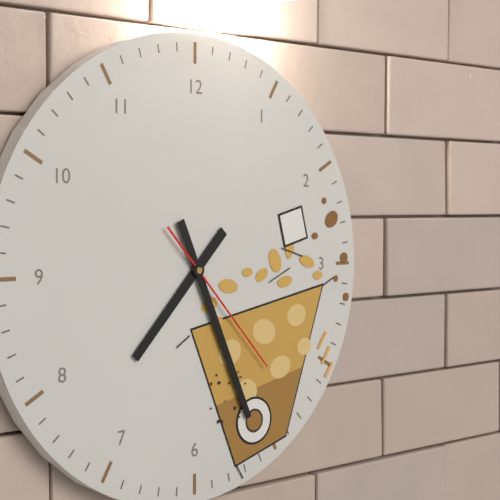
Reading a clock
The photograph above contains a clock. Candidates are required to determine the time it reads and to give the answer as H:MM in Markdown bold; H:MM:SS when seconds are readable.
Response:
**7:26:23**
